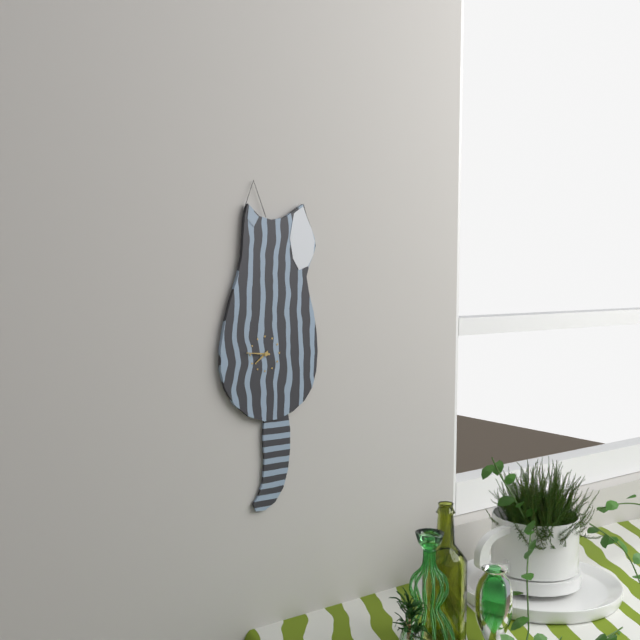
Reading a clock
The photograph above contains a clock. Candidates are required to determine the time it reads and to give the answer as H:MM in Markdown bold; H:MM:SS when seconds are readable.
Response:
**7:46**
